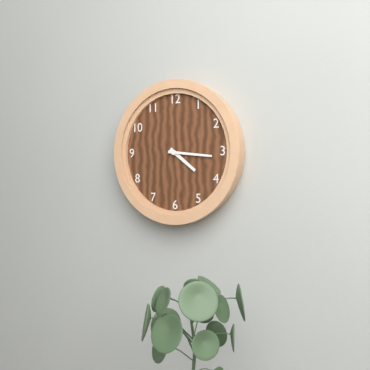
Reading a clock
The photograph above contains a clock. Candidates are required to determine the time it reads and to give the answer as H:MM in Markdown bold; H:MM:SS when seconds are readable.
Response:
**4:16**
